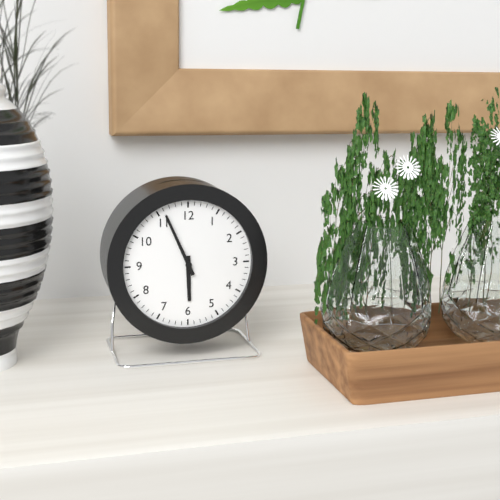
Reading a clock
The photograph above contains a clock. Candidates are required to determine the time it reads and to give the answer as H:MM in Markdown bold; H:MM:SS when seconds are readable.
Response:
**5:56**
